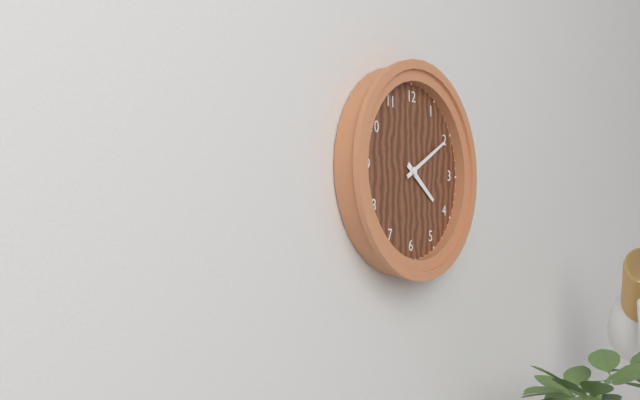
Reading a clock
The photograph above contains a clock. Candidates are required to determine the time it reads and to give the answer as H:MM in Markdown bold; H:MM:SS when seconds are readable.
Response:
**4:10**
